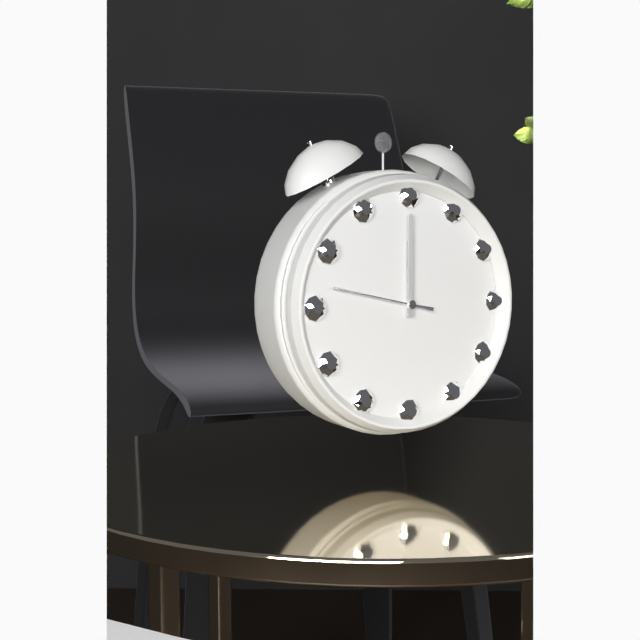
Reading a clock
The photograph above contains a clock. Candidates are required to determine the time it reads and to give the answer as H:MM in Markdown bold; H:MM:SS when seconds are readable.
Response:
**12:00:47**
